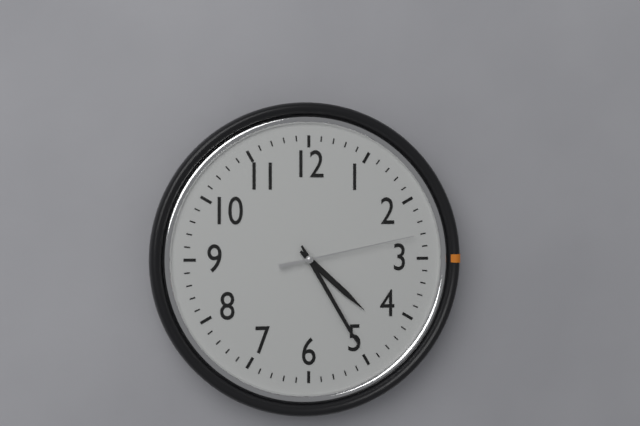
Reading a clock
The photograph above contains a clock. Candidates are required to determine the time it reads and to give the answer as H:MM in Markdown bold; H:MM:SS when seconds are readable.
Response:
**4:25:13**
